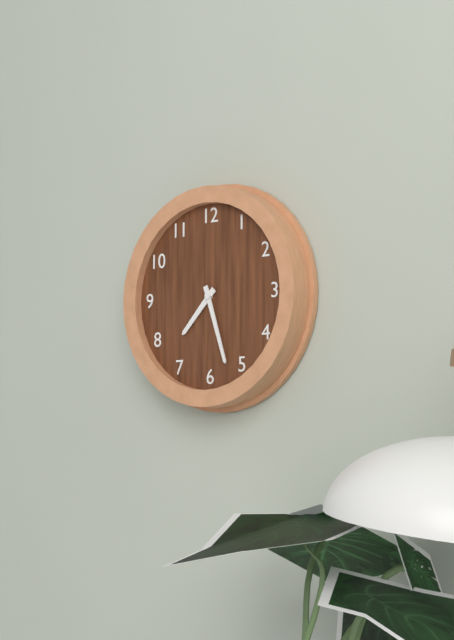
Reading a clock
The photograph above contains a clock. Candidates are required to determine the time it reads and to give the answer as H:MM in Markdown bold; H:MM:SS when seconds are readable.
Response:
**7:27**
